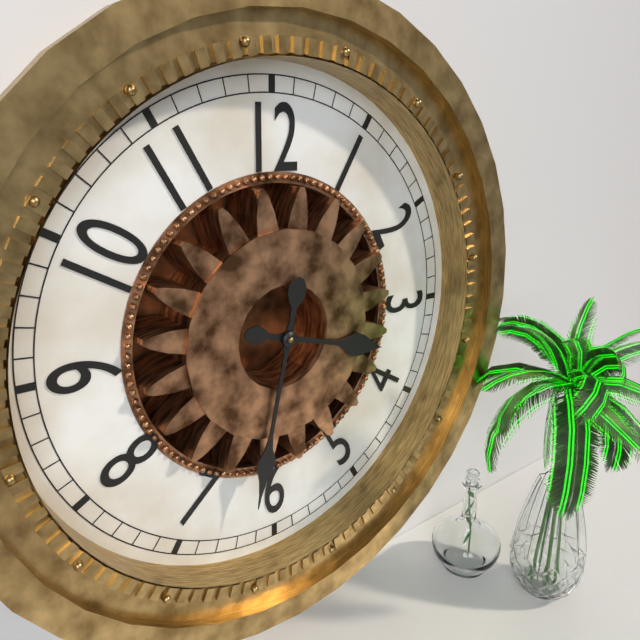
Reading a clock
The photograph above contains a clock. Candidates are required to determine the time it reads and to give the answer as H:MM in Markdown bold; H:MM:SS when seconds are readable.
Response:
**3:32**
